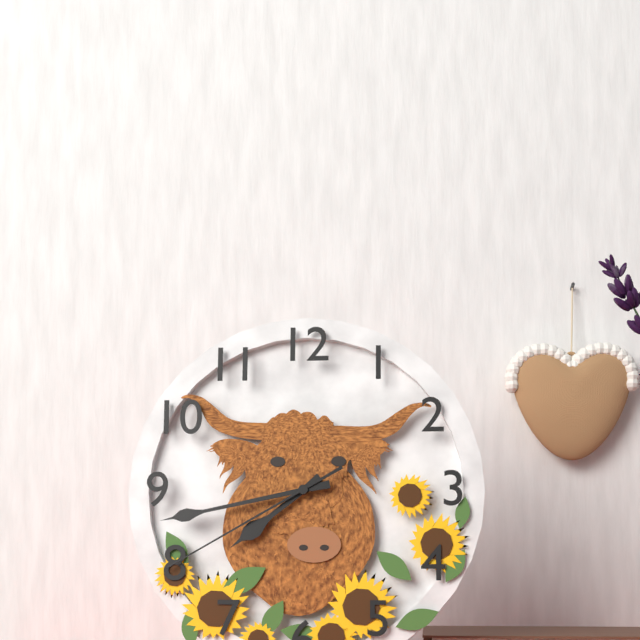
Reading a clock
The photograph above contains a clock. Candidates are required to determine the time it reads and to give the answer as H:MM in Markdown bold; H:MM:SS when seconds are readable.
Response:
**7:43:40**
